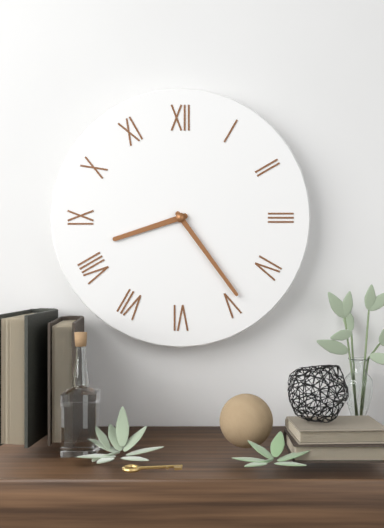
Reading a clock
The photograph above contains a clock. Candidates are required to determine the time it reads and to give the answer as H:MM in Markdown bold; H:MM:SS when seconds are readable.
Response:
**8:24**
